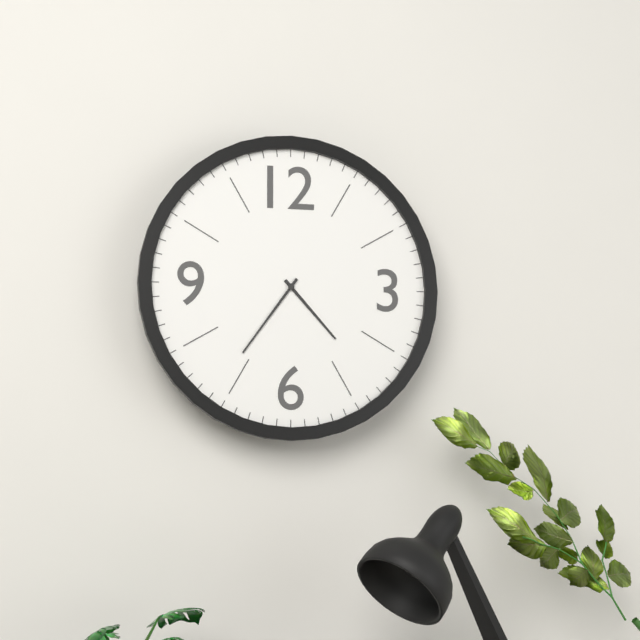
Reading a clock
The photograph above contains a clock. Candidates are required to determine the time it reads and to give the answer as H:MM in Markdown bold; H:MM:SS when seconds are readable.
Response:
**4:36**
